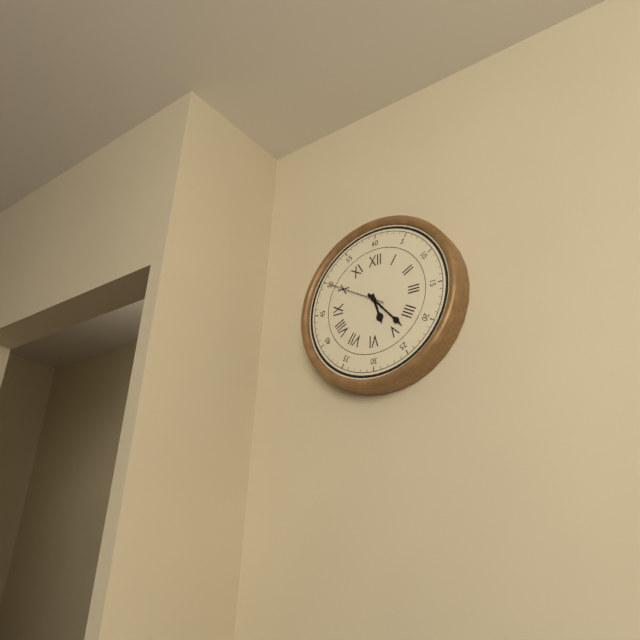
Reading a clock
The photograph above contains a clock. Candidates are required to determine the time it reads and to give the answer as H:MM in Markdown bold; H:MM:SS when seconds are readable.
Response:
**5:23:50**
